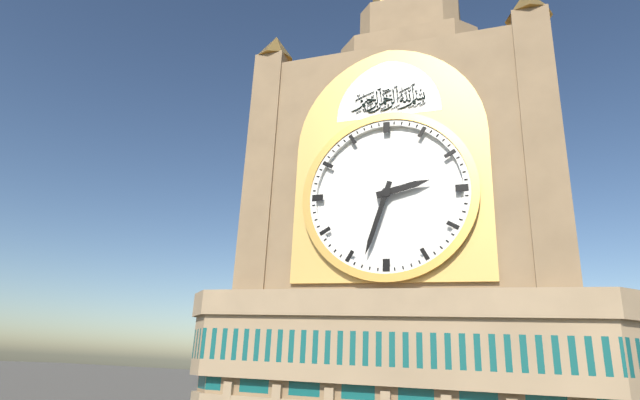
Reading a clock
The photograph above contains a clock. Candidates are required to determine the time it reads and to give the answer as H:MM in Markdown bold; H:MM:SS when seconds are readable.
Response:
**2:33**
